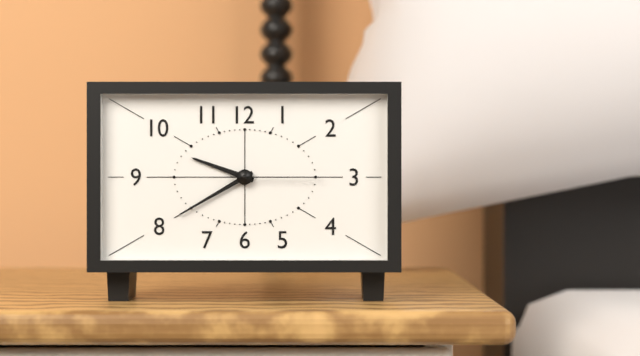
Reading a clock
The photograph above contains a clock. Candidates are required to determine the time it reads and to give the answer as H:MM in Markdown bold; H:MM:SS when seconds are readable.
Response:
**9:40:15**
